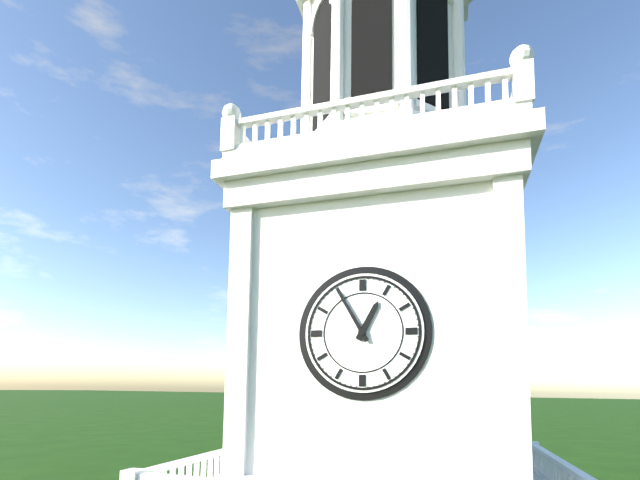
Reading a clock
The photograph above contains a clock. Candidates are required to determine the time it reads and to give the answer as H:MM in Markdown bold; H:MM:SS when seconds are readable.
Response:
**12:55**
